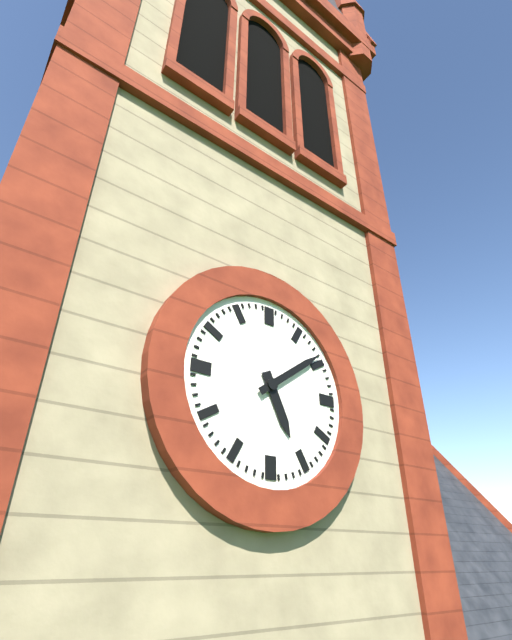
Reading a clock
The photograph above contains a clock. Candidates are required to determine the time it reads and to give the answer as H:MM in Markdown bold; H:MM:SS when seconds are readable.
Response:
**5:09**
